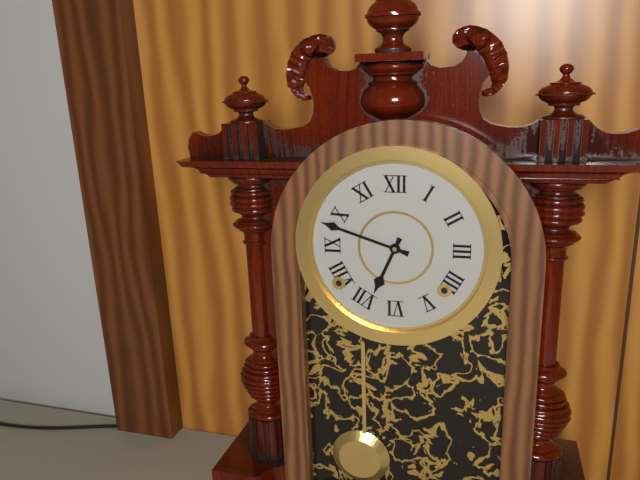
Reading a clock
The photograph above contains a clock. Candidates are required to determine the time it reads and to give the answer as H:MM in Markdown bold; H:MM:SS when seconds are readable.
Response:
**6:48**
